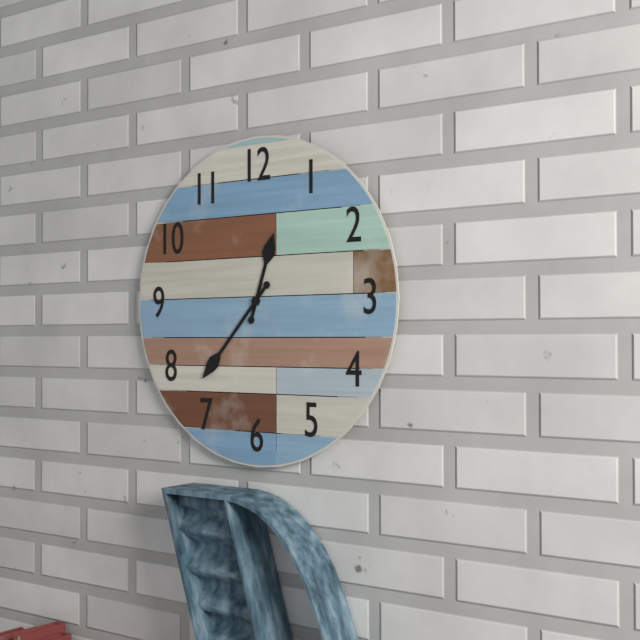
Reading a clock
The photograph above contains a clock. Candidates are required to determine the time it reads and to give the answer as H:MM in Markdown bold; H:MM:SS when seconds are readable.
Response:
**12:37**
